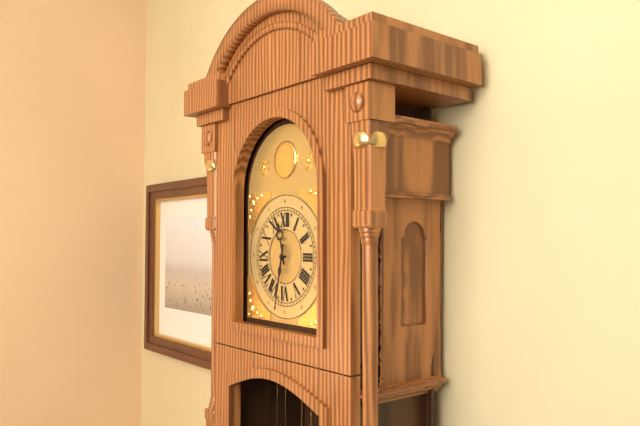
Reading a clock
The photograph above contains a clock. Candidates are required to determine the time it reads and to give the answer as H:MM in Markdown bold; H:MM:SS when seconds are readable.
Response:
**11:32**
